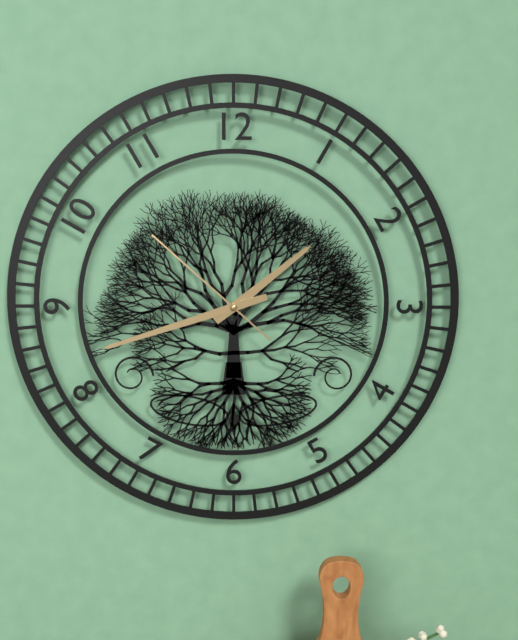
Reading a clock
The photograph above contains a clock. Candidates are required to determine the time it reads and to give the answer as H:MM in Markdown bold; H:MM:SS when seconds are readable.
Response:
**1:42:52**
